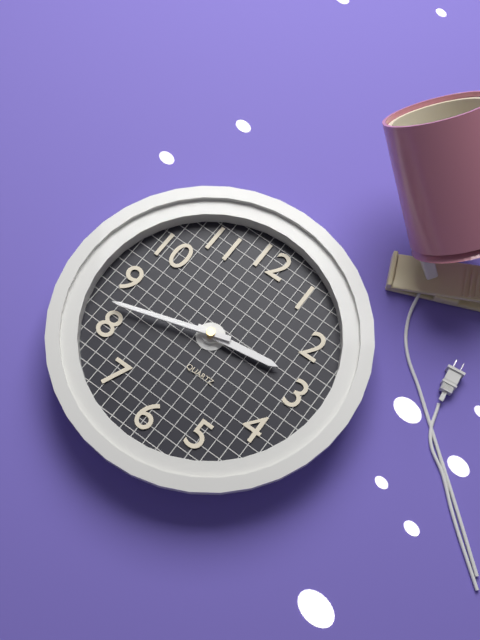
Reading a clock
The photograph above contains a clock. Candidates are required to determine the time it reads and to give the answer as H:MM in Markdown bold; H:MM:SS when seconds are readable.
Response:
**2:42**
